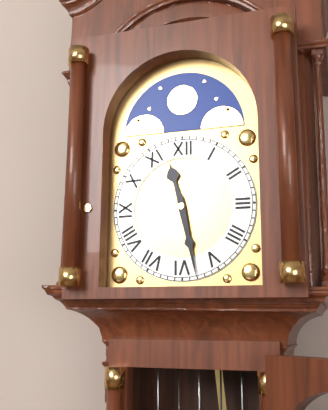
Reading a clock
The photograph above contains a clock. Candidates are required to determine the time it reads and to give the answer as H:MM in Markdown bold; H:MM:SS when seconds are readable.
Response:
**11:28**
